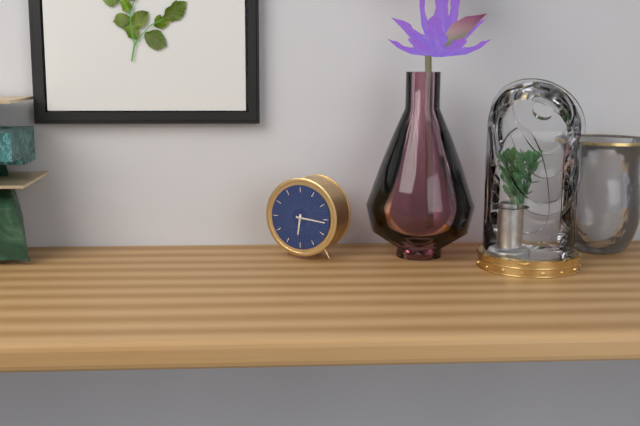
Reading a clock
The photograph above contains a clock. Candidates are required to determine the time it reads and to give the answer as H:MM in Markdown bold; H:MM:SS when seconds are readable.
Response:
**6:16**
